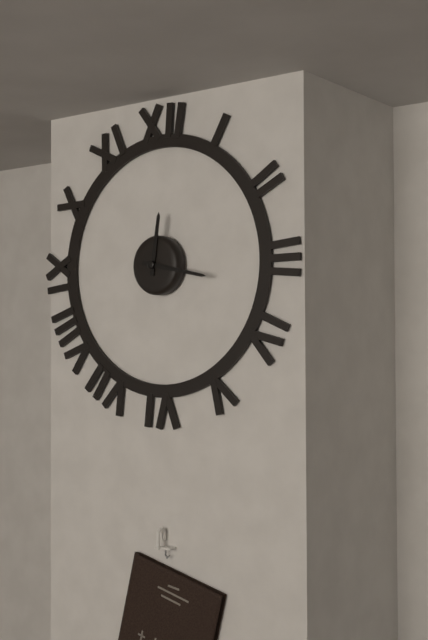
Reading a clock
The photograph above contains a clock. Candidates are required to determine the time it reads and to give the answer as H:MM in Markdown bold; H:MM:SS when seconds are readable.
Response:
**12:17**
